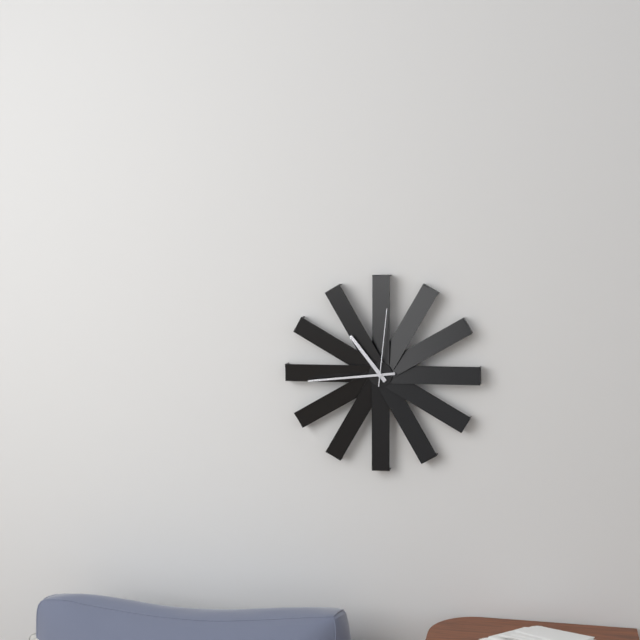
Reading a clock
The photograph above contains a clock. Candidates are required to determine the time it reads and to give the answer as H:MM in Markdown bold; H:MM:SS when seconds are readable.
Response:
**10:44:01**
